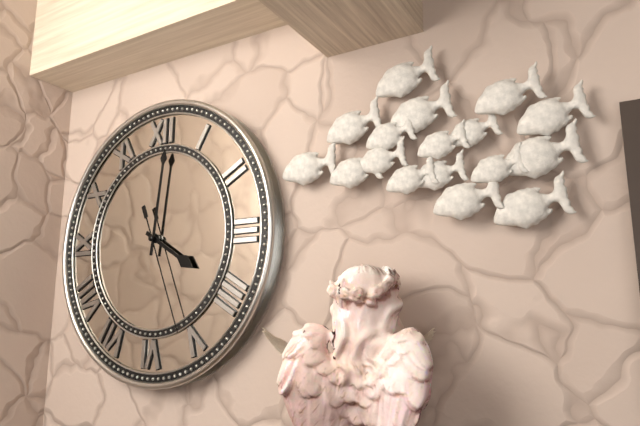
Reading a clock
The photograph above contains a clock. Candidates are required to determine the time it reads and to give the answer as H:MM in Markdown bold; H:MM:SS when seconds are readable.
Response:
**4:01:26**
